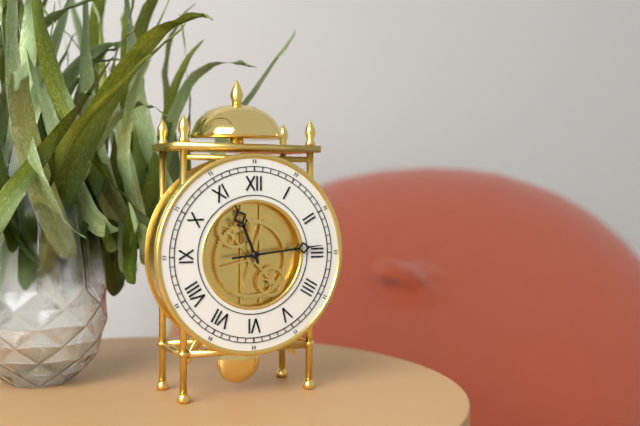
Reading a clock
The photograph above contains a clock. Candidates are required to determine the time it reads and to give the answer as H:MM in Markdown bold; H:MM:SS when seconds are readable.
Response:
**11:14**
